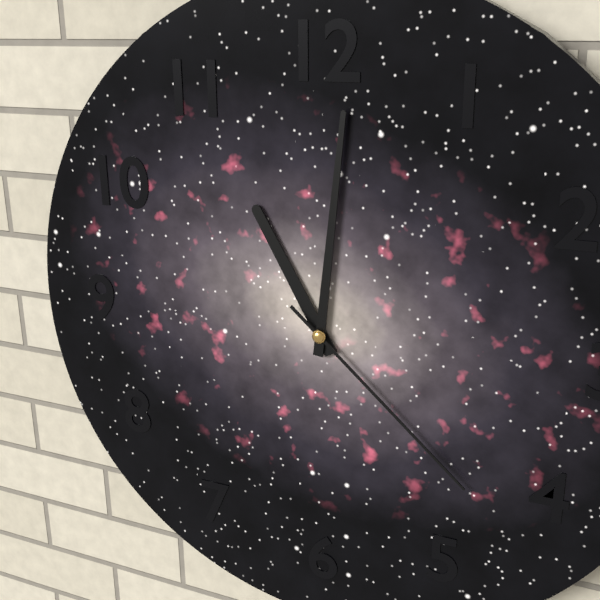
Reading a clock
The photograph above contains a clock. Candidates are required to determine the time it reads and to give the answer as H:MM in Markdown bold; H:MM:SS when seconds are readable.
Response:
**11:01:22**
